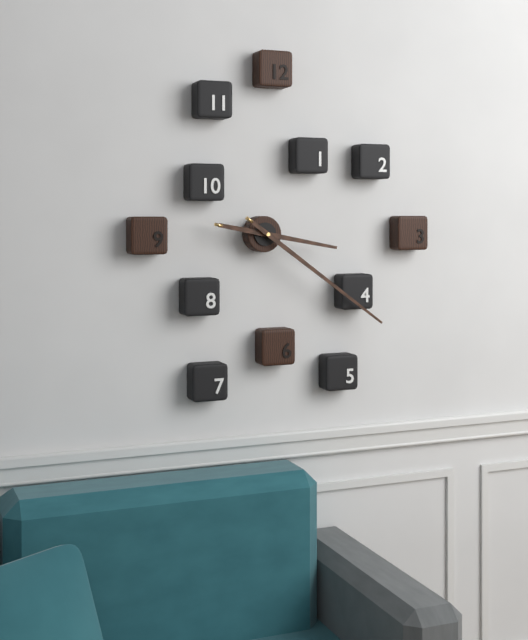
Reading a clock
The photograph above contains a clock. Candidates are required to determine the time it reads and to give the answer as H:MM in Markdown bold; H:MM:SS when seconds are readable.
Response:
**3:21**
